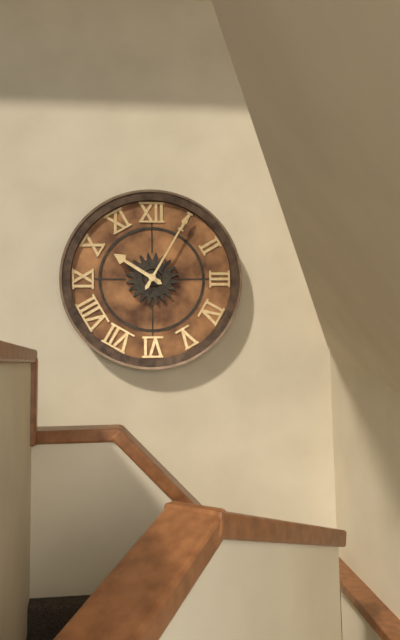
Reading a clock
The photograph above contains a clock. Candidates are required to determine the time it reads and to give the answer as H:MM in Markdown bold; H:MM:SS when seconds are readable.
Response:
**10:05**
